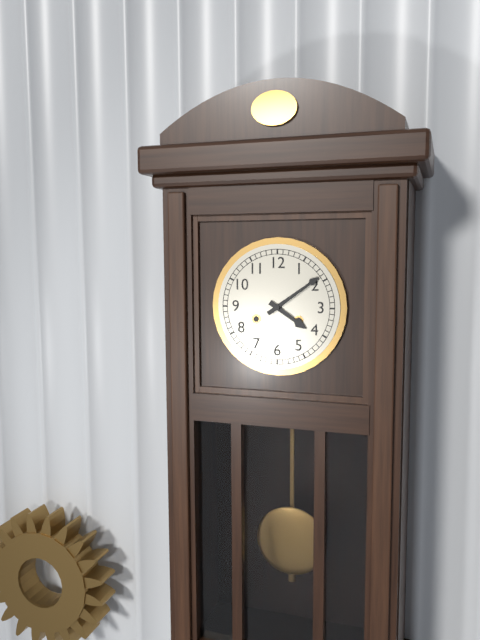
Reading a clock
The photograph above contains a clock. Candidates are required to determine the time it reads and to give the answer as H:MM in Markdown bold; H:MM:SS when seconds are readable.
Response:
**4:09**
